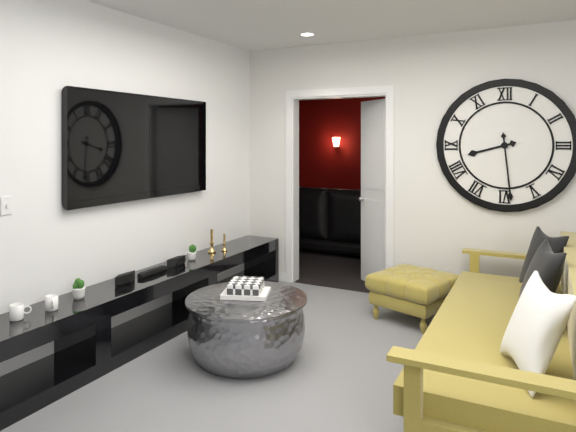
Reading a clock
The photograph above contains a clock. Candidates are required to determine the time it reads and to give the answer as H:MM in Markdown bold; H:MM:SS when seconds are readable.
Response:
**8:29**
